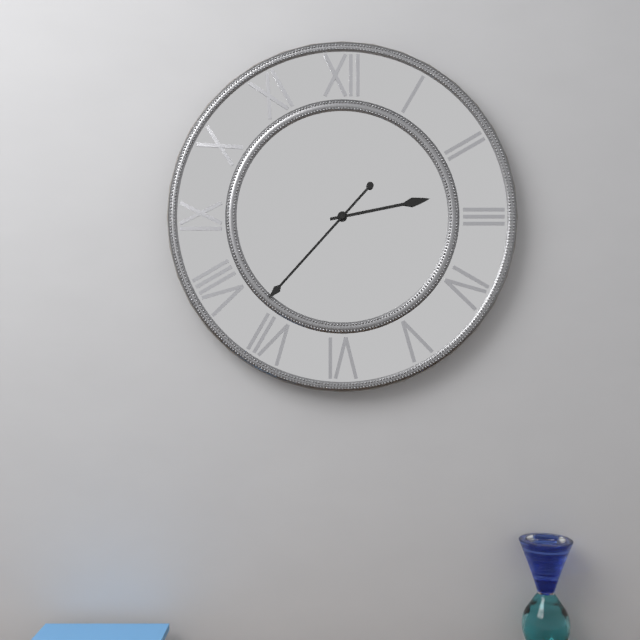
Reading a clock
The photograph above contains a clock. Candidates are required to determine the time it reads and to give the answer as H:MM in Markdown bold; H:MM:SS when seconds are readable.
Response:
**2:37**
